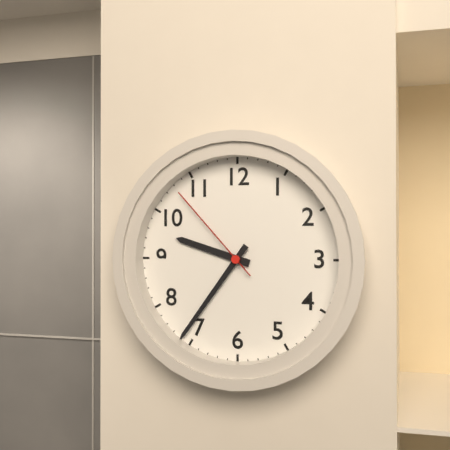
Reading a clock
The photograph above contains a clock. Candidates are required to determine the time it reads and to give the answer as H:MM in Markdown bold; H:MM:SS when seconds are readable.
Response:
**9:36:53**
